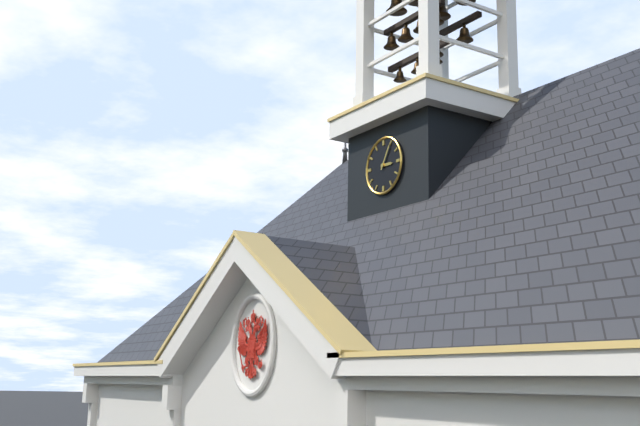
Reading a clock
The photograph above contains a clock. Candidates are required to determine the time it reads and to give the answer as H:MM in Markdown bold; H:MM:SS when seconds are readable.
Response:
**3:05**
